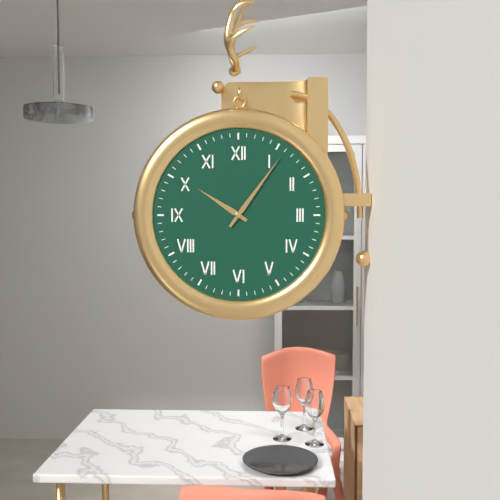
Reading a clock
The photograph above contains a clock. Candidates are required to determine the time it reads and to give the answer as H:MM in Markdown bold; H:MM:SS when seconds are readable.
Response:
**10:06**
